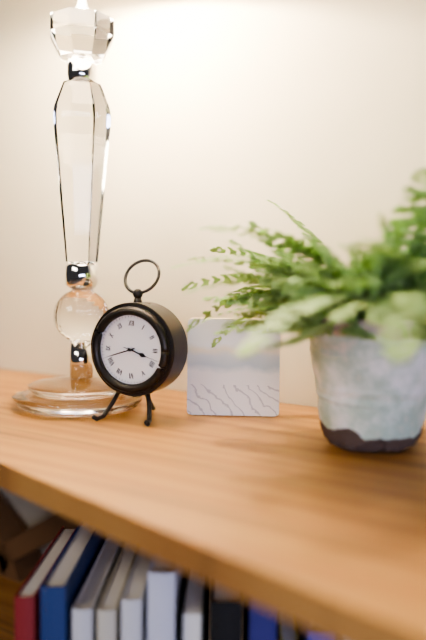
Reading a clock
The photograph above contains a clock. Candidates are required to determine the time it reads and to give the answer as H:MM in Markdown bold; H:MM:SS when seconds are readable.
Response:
**3:42**
